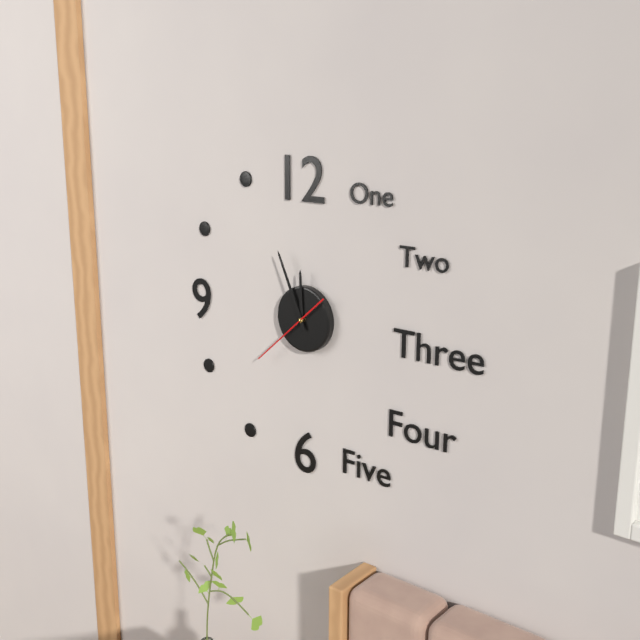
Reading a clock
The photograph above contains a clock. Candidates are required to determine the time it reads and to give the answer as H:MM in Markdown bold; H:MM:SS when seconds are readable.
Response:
**11:56:38**
